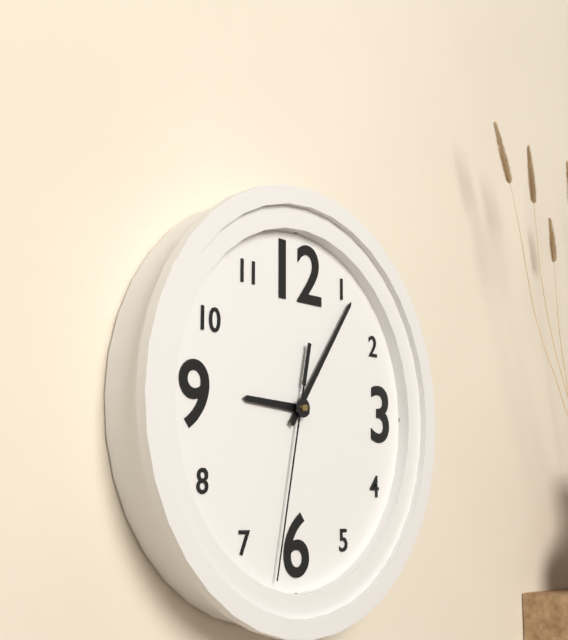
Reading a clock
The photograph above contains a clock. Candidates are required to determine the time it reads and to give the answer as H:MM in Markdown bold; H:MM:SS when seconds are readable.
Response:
**9:06:32**
